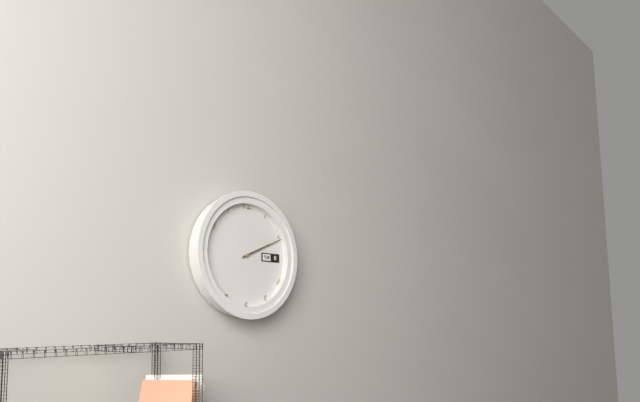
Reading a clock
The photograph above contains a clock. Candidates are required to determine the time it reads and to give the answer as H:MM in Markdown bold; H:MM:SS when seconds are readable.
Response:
**2:11**
